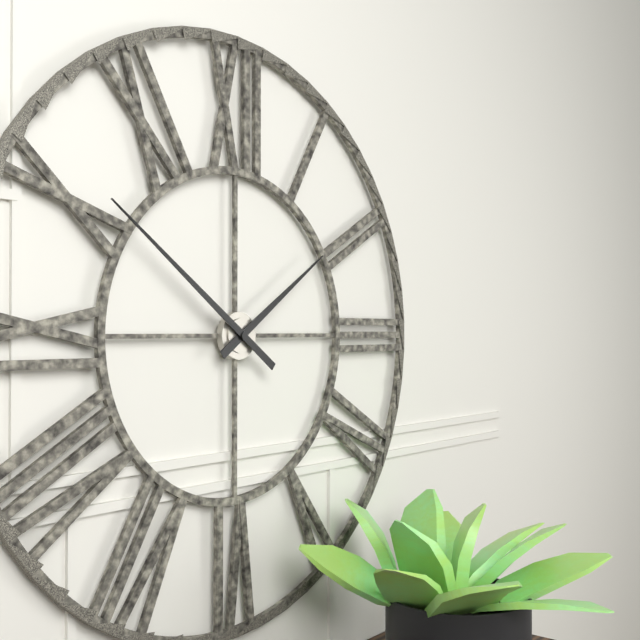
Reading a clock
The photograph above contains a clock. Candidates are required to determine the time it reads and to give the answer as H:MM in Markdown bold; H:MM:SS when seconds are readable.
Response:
**1:51**
